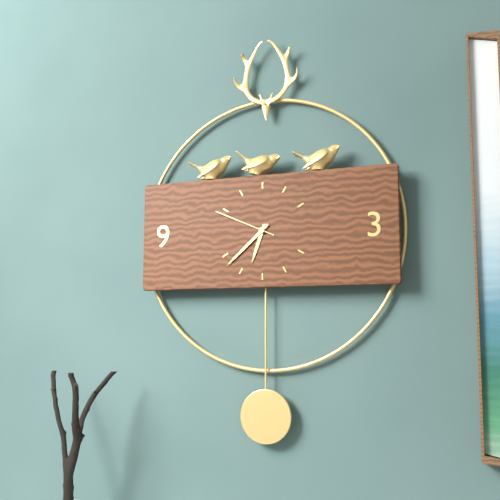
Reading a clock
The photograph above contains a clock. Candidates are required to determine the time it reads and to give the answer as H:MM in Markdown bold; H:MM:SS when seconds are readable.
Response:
**6:38:49**
